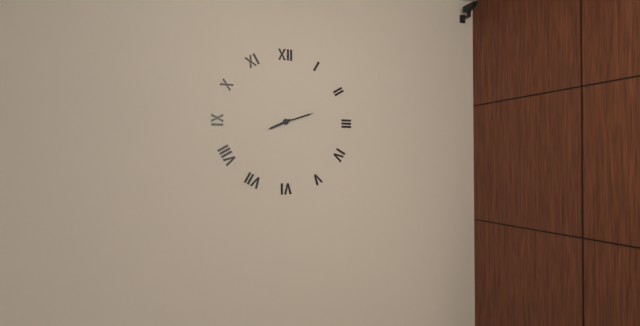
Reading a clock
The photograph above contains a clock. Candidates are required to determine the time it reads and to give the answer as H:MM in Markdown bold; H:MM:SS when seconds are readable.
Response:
**8:12**
